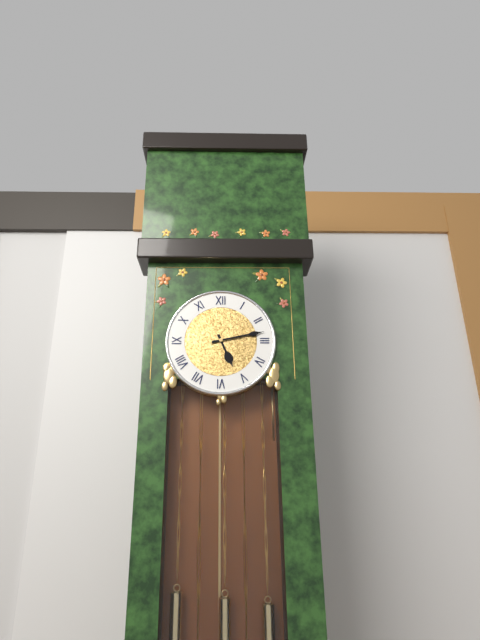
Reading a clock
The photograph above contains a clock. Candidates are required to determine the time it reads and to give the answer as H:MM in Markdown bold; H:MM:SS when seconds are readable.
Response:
**5:13**
